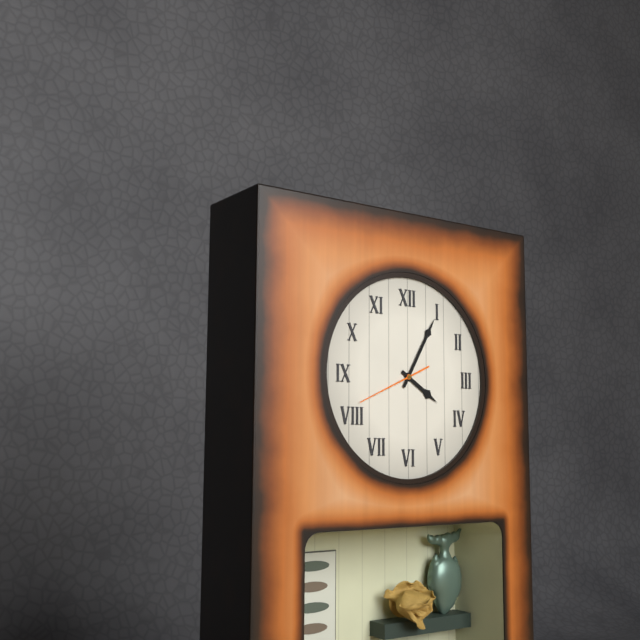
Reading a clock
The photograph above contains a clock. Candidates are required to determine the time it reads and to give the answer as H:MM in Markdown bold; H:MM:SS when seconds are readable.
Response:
**4:05:41**
